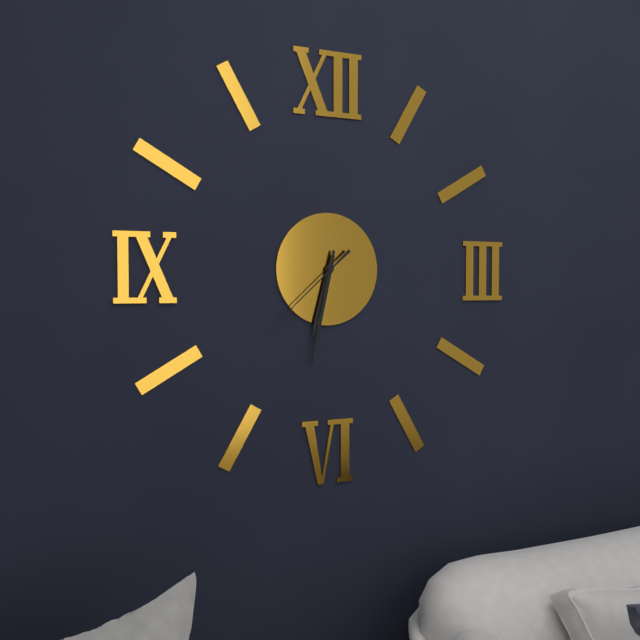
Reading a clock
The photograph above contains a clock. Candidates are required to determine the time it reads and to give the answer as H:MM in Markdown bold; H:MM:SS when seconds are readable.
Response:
**6:32:38**
